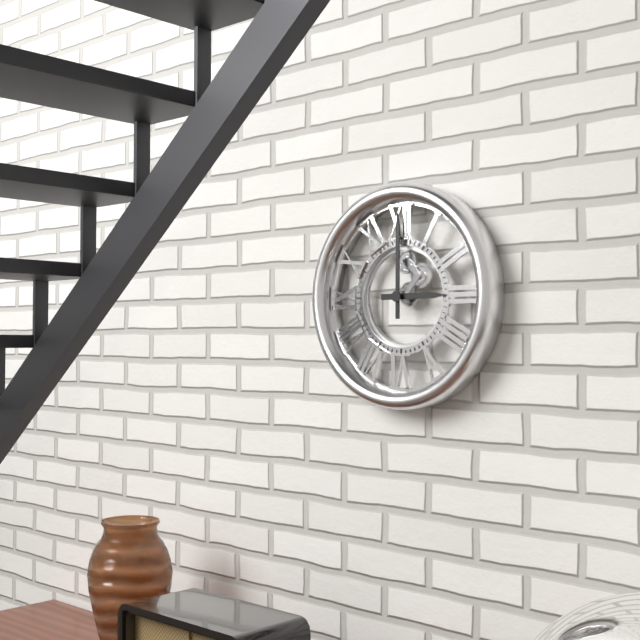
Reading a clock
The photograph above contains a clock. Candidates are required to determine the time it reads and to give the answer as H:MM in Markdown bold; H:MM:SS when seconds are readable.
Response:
**3:00**
